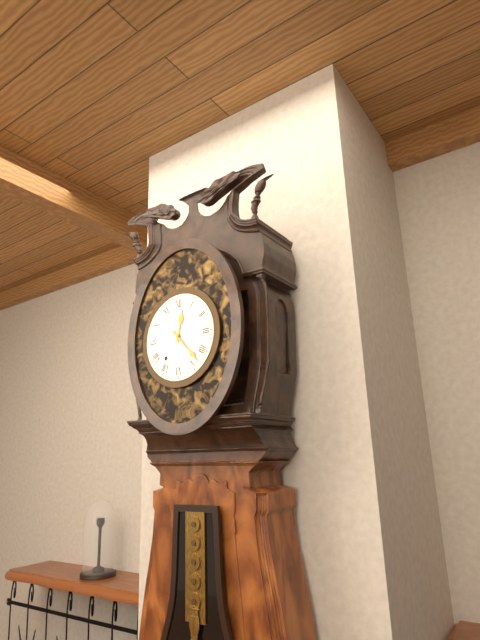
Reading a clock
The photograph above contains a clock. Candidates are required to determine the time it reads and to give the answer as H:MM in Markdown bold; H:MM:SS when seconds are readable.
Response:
**12:23**
